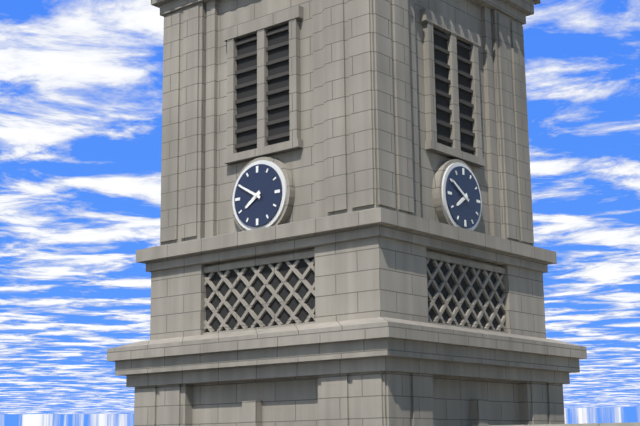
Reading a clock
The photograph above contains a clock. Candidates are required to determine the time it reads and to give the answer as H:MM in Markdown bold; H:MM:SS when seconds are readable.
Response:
**7:50**
